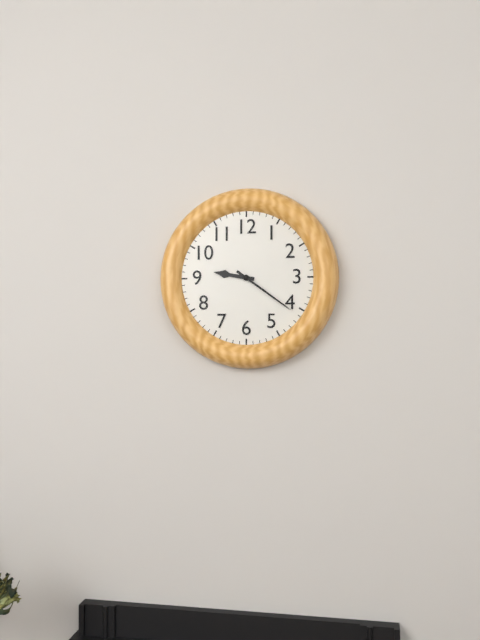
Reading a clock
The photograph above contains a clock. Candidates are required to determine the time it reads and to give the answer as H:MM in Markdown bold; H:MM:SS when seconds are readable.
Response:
**9:21**
